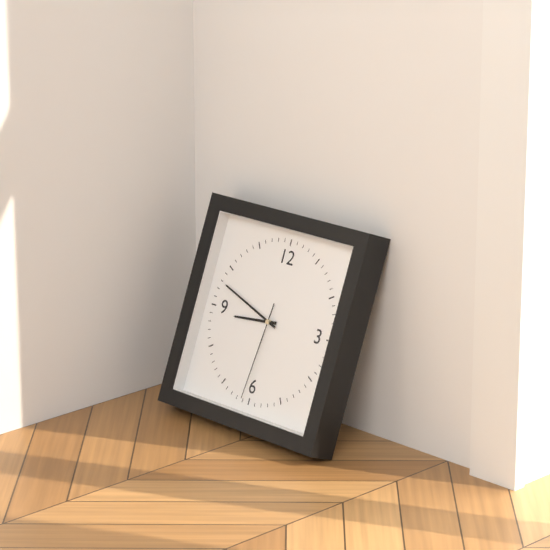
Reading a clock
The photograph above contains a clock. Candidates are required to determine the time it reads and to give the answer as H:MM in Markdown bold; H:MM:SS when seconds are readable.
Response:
**8:48:31**
